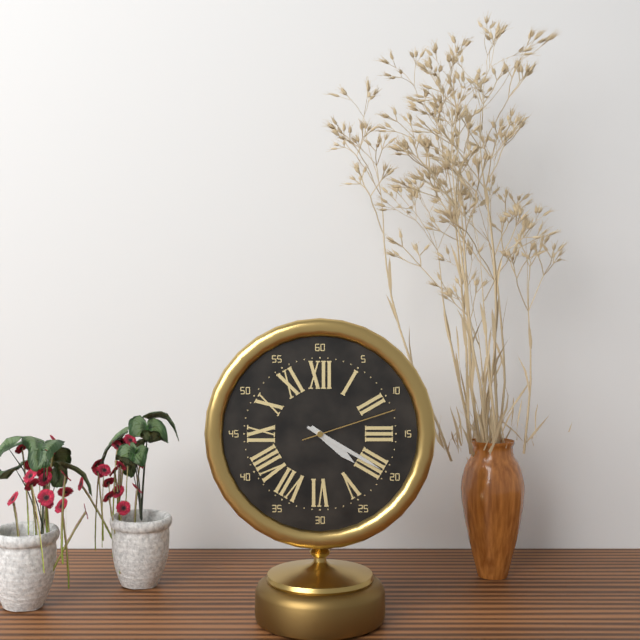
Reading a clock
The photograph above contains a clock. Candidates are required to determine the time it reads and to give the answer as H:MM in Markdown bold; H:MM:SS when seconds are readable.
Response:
**4:20:12**
